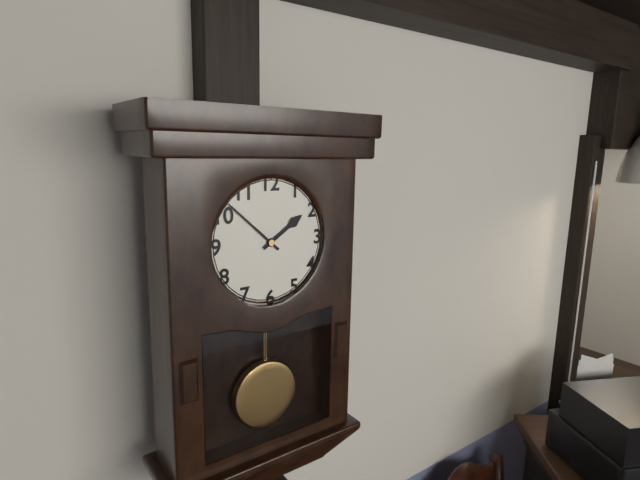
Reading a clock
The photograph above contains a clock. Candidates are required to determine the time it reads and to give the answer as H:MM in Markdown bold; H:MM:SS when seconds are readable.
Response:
**1:52**
